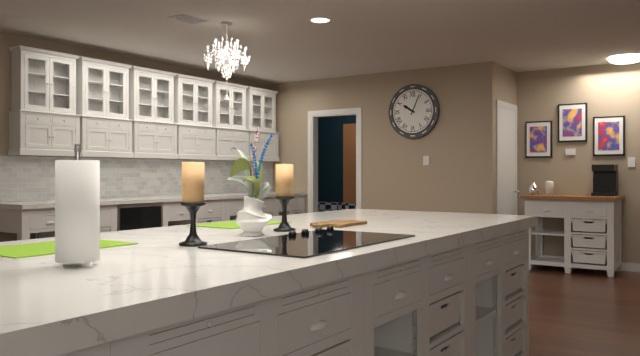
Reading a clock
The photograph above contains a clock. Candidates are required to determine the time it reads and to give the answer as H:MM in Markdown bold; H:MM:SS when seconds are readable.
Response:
**10:04**
